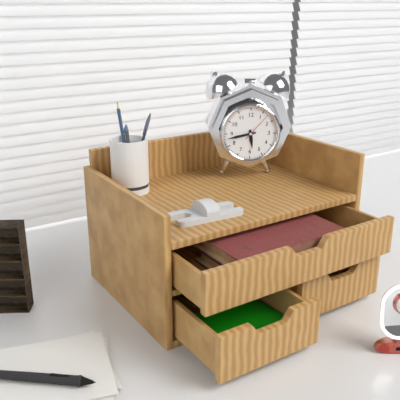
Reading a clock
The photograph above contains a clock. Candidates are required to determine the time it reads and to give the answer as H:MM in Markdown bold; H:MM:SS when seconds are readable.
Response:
**5:43**
